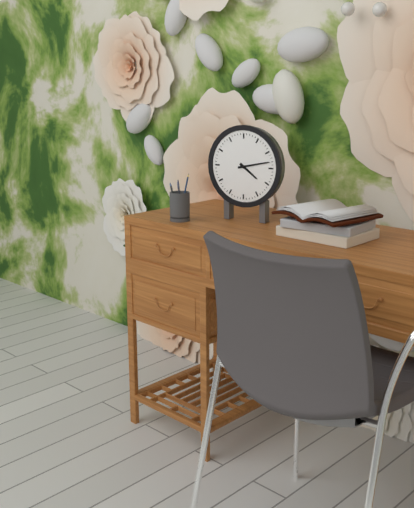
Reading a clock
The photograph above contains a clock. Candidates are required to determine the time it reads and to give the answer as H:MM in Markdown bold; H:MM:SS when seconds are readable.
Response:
**4:13**
